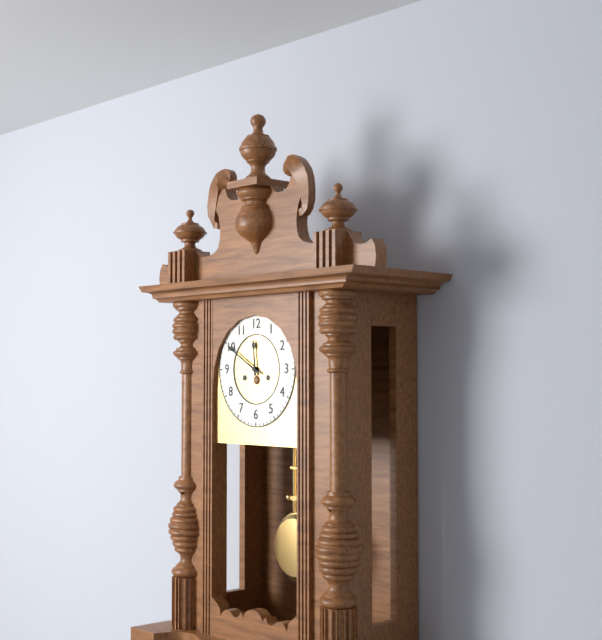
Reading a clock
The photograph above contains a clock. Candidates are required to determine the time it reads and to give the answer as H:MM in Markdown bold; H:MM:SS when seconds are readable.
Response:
**11:50**
